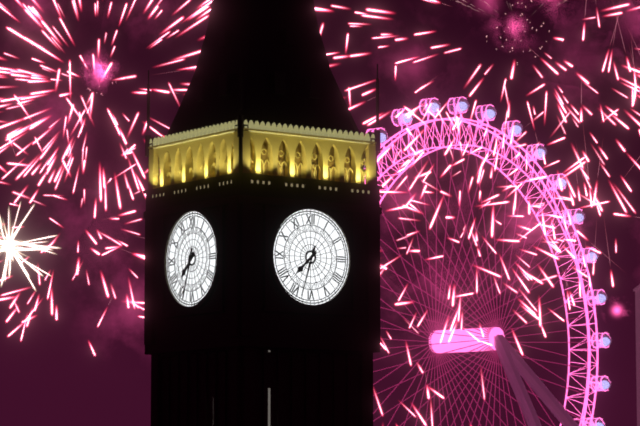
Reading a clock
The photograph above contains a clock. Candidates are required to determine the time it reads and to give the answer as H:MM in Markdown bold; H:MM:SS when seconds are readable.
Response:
**7:33**
